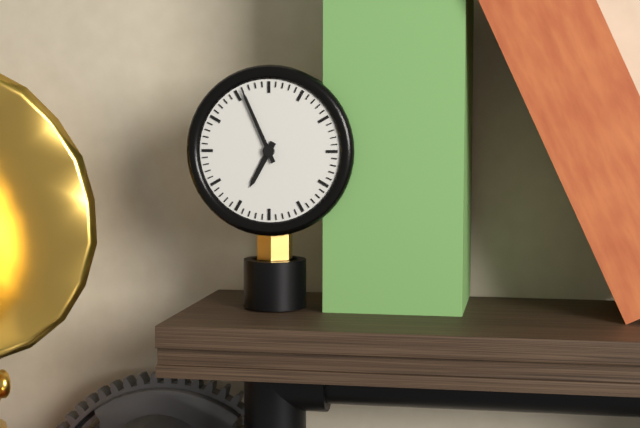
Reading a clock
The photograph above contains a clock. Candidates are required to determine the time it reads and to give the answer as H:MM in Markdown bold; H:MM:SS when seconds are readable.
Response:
**6:56**
